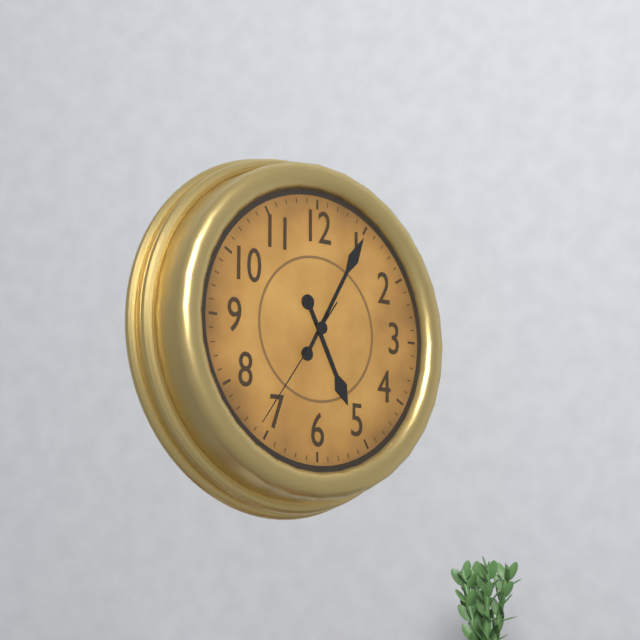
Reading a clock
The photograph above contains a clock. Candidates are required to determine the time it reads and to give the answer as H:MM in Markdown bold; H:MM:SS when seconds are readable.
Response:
**5:05:36**
